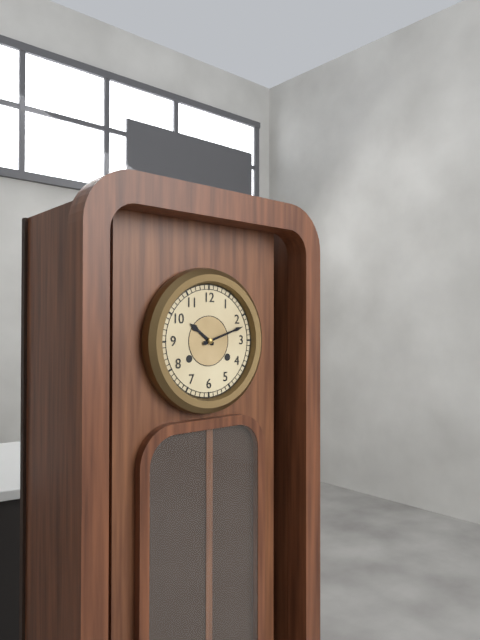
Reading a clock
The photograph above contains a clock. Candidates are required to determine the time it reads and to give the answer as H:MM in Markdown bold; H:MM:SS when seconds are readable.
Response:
**10:12**
